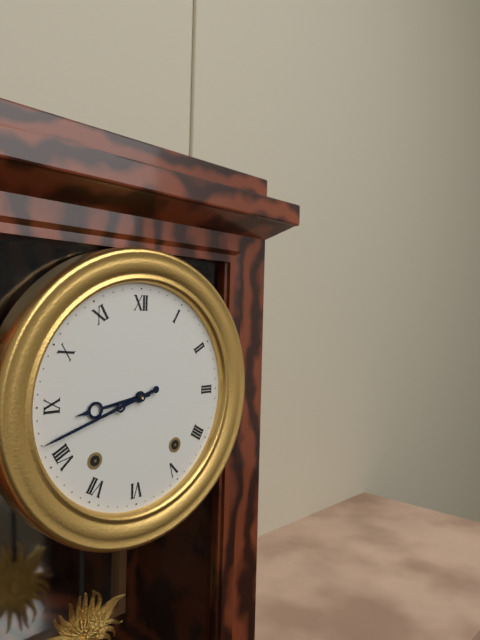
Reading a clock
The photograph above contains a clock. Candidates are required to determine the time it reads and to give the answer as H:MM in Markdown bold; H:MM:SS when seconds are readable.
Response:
**8:42**
